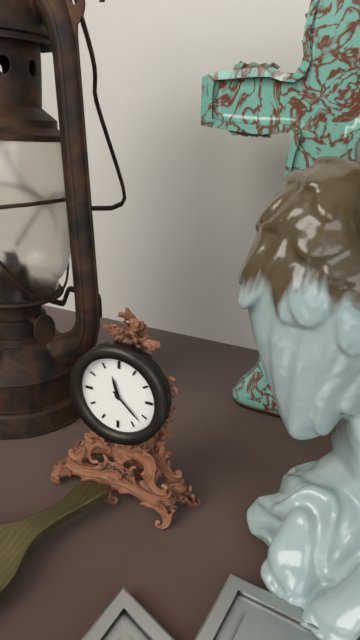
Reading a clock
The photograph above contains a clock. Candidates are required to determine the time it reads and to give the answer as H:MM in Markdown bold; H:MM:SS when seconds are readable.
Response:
**11:22**
